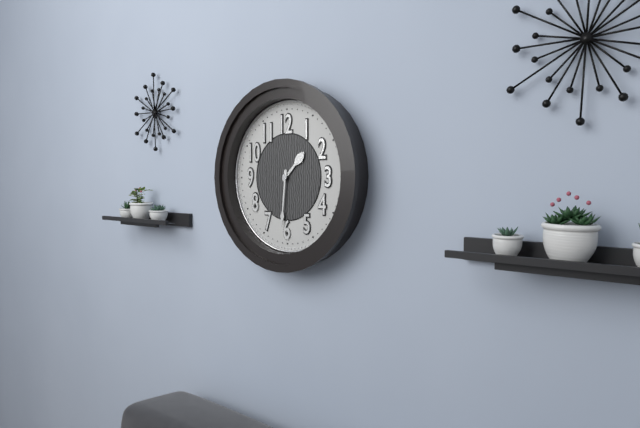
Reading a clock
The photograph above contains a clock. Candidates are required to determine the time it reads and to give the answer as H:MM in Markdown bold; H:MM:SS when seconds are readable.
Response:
**1:31**
